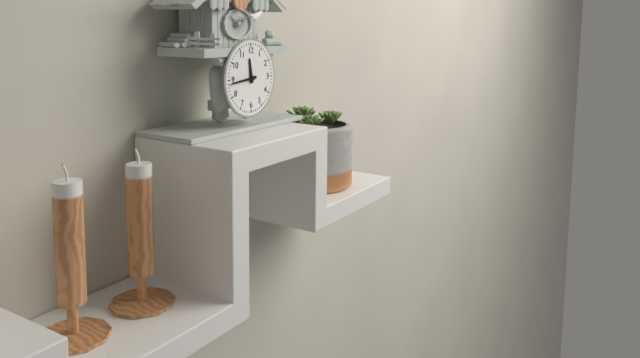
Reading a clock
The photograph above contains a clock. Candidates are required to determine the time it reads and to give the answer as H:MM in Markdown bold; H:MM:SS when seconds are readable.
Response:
**11:44**
